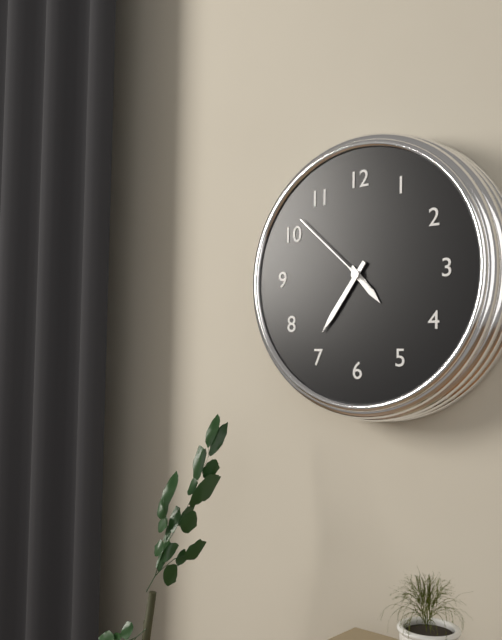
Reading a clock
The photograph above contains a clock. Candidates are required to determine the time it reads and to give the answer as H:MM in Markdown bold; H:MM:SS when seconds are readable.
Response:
**4:36:52**
